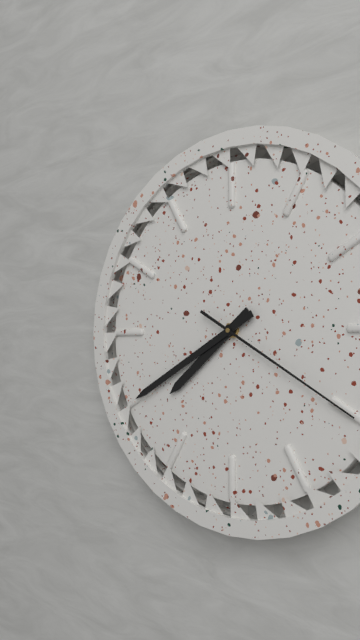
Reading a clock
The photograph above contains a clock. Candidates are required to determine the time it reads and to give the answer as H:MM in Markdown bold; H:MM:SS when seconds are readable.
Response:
**7:40:20**
